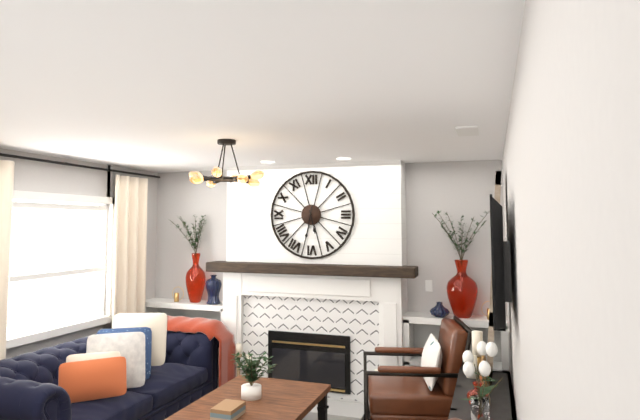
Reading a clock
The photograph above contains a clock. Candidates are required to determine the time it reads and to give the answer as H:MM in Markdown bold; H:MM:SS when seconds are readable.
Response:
**5:32**
